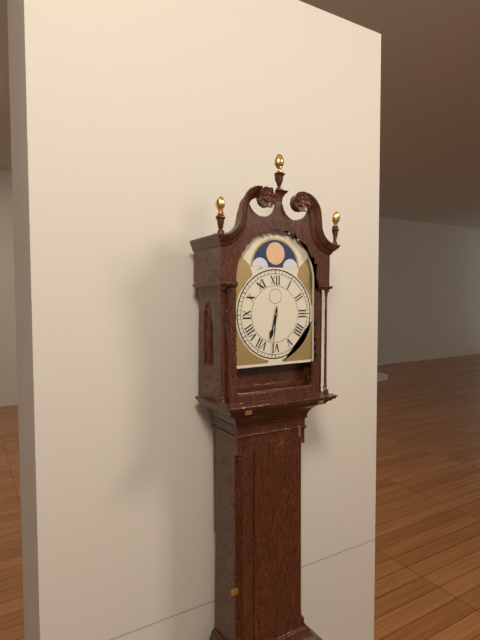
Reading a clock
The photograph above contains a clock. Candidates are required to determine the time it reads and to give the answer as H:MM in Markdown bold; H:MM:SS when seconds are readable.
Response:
**6:31**
